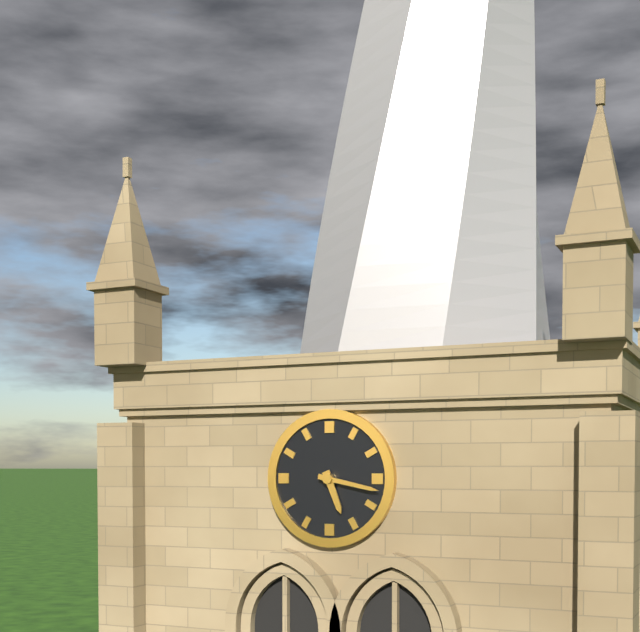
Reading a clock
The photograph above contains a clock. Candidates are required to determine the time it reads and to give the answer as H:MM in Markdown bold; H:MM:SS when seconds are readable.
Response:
**5:17**
